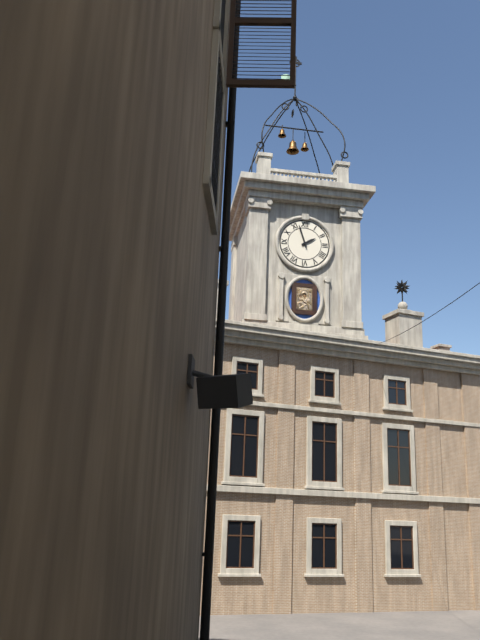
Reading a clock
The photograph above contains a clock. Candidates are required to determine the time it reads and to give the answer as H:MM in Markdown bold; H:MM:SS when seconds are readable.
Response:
**1:57**
